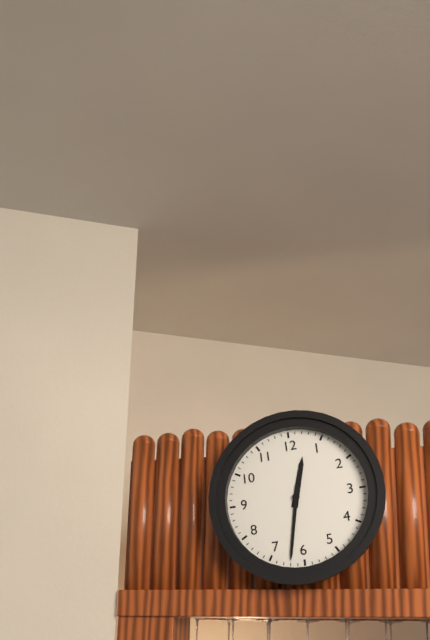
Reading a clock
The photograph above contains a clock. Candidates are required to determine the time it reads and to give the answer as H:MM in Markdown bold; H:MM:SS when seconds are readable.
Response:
**12:32**
